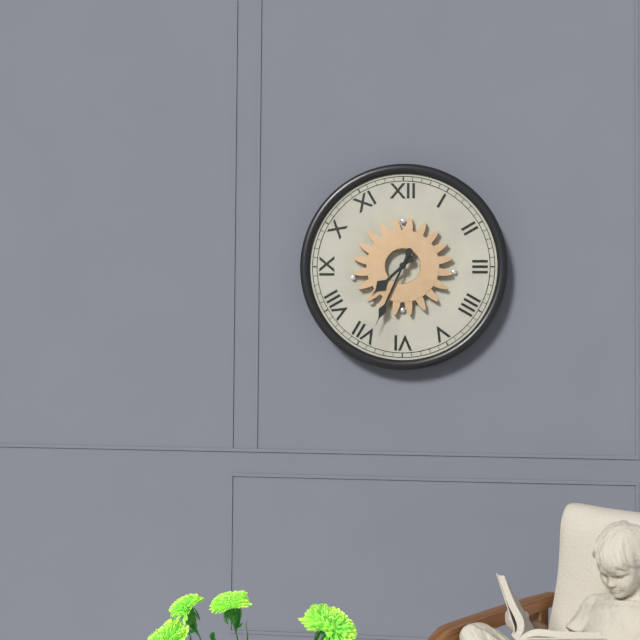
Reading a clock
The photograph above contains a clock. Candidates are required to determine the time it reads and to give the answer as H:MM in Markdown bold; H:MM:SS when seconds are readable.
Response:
**7:34**
